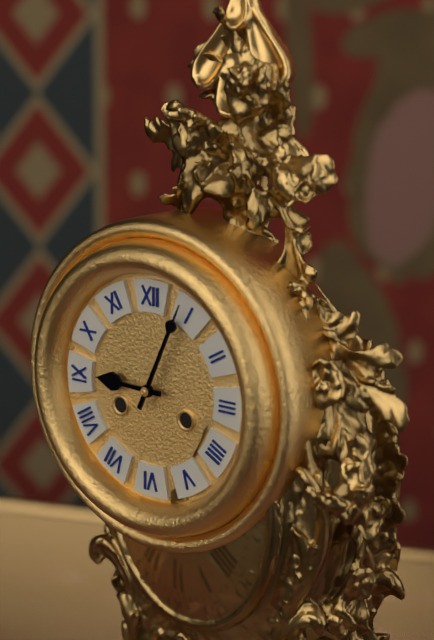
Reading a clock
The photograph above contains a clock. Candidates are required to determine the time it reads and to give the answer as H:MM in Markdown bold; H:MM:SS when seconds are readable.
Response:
**9:04**
